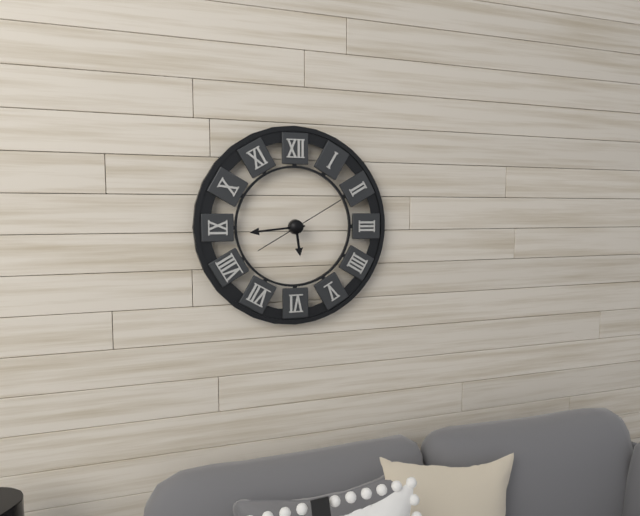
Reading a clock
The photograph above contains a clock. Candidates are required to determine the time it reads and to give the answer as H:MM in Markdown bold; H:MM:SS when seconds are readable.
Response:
**5:44:10**
